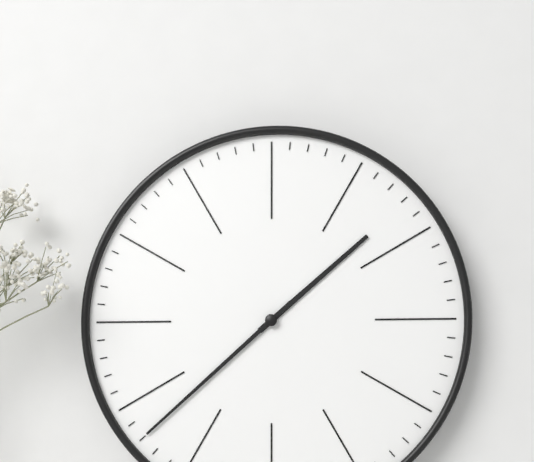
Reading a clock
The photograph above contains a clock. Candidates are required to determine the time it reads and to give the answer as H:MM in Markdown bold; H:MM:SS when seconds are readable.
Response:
**1:38**
